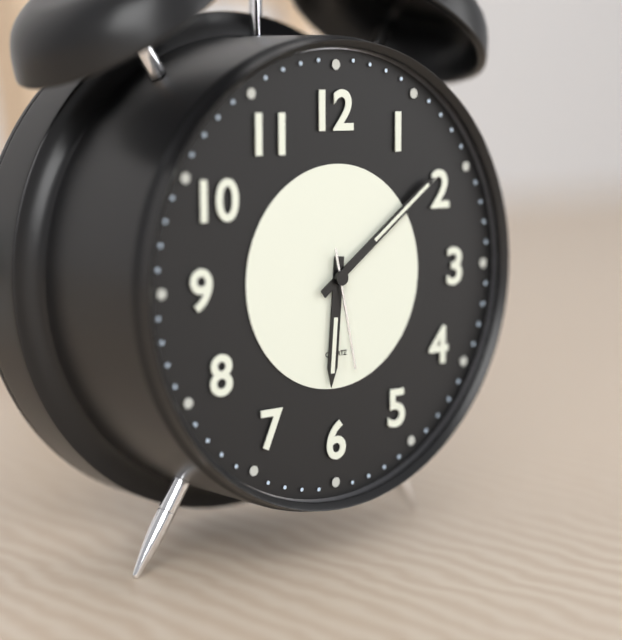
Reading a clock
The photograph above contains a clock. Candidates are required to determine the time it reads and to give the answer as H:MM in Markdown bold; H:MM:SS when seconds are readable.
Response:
**6:09:28**
